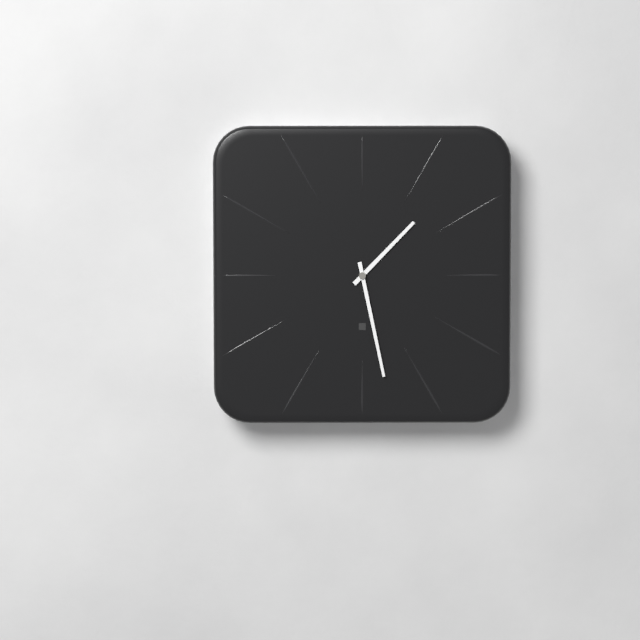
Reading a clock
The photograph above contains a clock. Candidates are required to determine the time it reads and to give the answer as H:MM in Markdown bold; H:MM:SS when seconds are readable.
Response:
**1:28**
